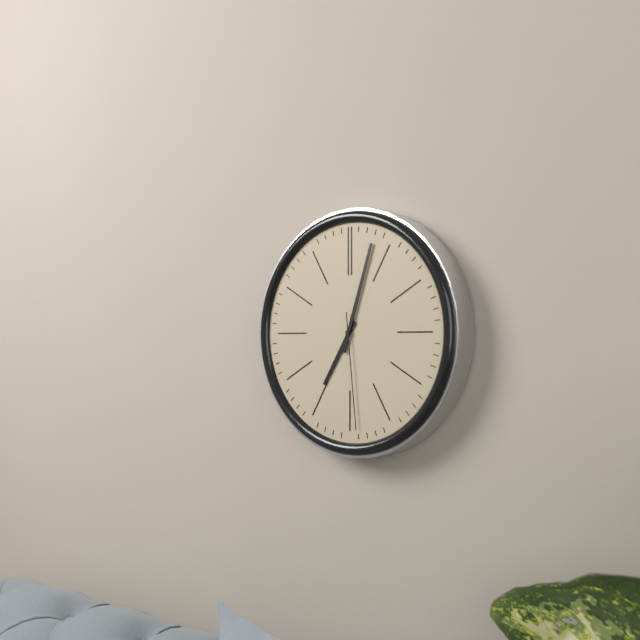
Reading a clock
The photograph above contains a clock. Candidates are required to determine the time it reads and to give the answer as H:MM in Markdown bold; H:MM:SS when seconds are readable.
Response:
**7:03:29**
